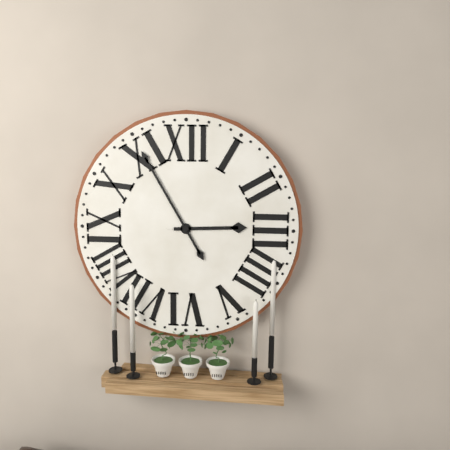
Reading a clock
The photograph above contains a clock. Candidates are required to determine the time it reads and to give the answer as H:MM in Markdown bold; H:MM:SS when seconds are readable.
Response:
**2:55**
